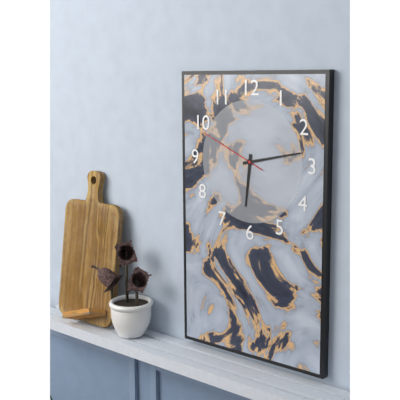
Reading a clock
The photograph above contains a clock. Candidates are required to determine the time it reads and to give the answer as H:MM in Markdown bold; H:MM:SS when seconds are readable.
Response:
**6:13:49**
